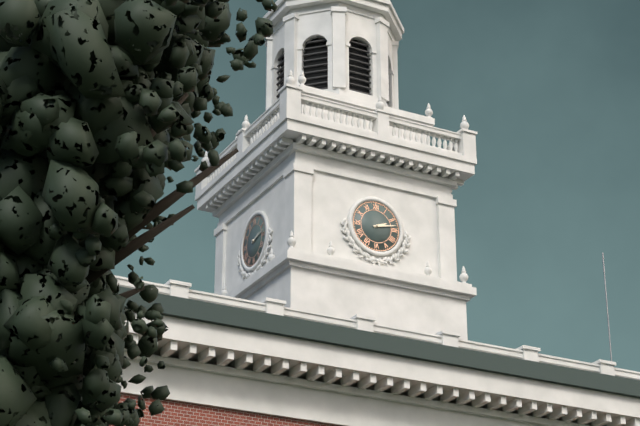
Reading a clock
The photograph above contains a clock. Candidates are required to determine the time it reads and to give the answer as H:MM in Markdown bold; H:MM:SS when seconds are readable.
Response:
**2:13**
